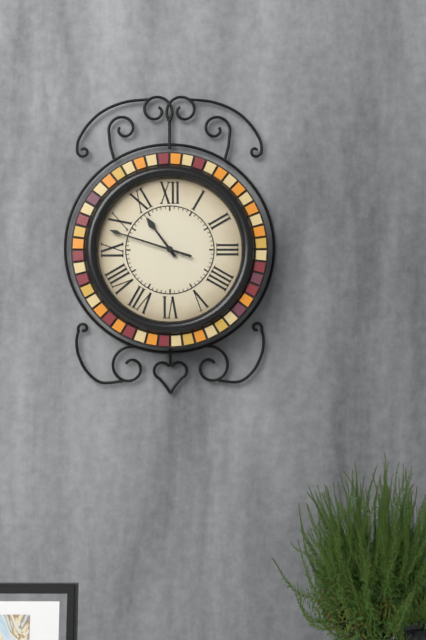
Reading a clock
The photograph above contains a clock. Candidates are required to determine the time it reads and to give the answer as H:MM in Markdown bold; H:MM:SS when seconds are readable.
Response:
**10:48**
